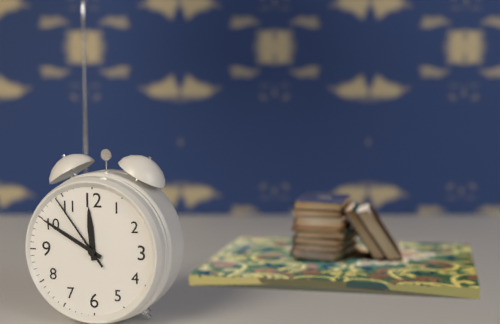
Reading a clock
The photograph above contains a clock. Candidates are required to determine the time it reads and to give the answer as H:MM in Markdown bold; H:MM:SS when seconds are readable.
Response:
**11:50:54**
